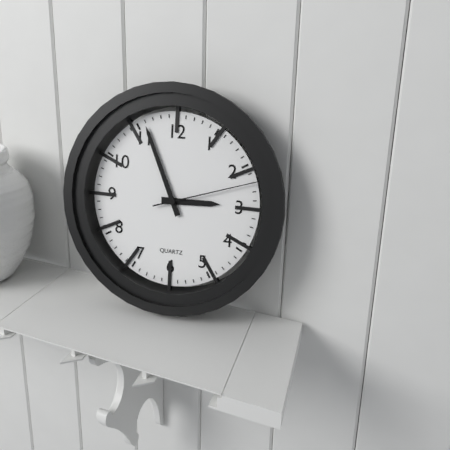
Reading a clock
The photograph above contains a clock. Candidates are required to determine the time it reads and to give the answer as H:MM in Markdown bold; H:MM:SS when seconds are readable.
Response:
**2:56:12**
